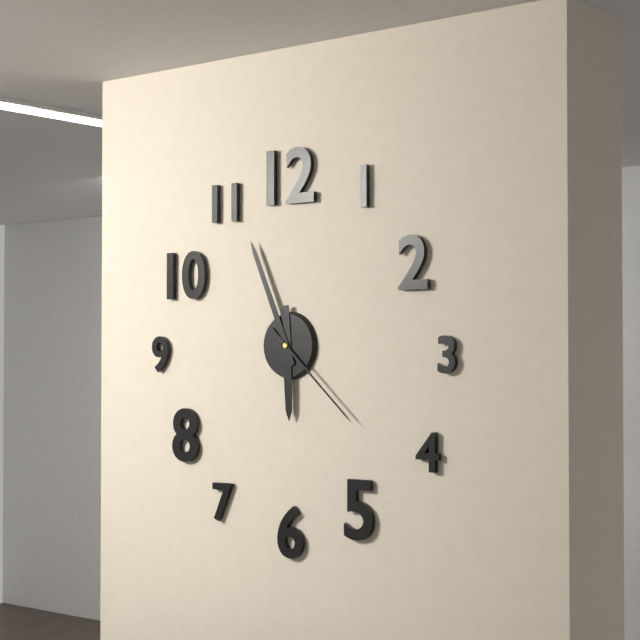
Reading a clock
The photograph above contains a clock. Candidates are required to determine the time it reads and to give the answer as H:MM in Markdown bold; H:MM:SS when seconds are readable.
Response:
**5:56:22**
